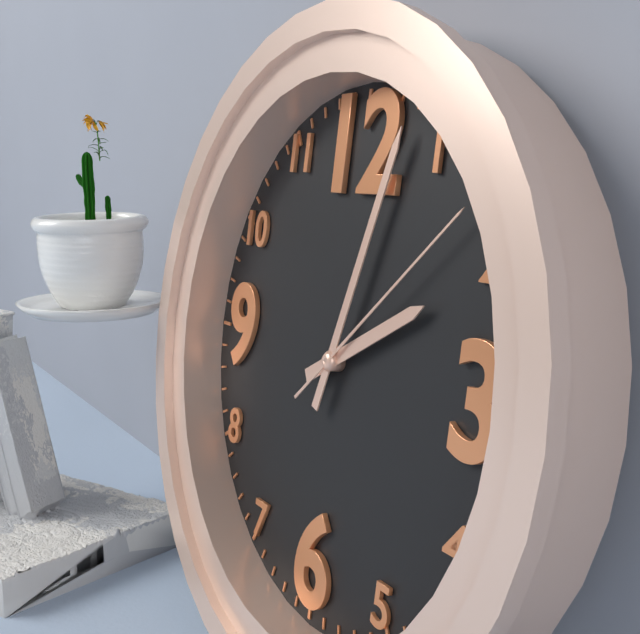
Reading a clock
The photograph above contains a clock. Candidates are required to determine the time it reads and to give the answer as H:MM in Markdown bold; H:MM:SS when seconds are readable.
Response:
**2:03:08**
